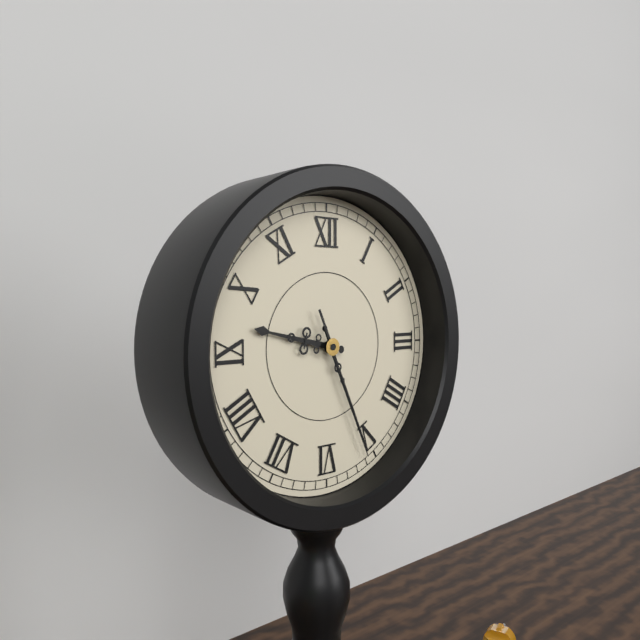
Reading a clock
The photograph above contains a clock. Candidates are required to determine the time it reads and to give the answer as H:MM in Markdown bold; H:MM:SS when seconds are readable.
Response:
**9:26:26**
